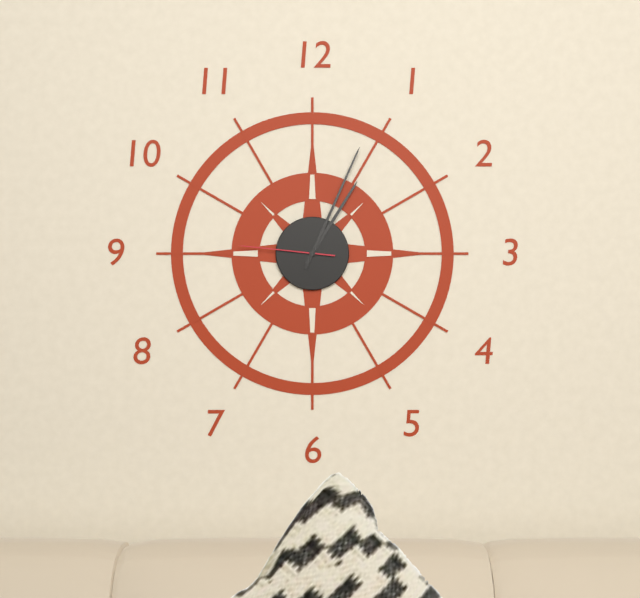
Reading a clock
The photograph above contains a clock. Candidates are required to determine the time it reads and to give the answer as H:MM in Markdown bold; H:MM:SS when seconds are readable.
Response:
**1:04:46**
